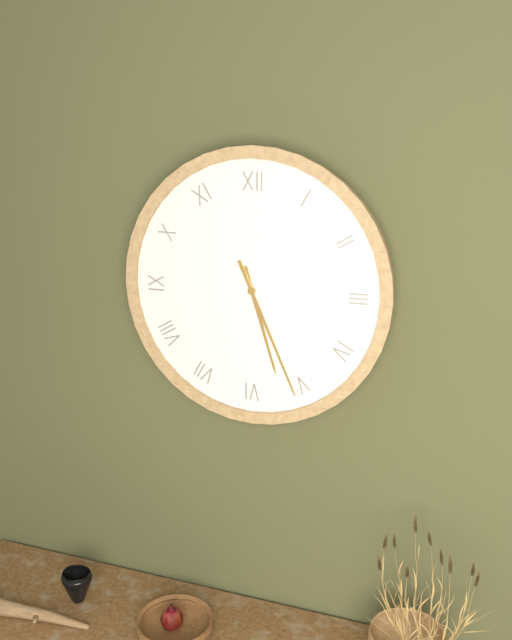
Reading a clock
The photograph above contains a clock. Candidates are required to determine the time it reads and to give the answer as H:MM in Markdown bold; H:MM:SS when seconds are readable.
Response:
**5:26**
